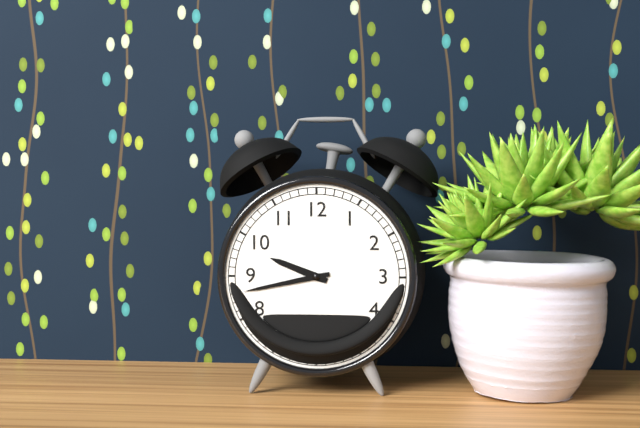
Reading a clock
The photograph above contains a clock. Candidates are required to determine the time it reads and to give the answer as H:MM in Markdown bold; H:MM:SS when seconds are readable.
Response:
**9:43**
